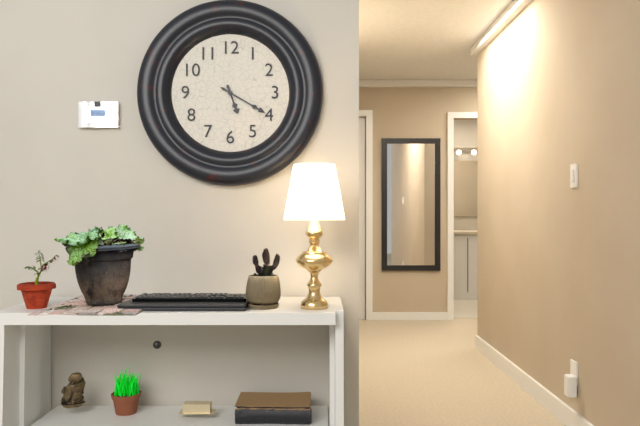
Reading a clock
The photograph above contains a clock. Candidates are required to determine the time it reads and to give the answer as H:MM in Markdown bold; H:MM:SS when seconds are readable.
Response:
**5:20**
